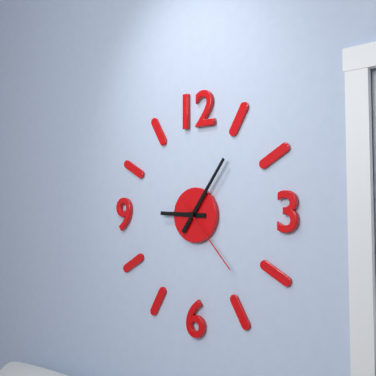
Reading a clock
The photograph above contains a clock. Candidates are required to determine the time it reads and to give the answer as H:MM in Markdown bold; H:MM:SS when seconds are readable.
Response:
**9:06:23**
